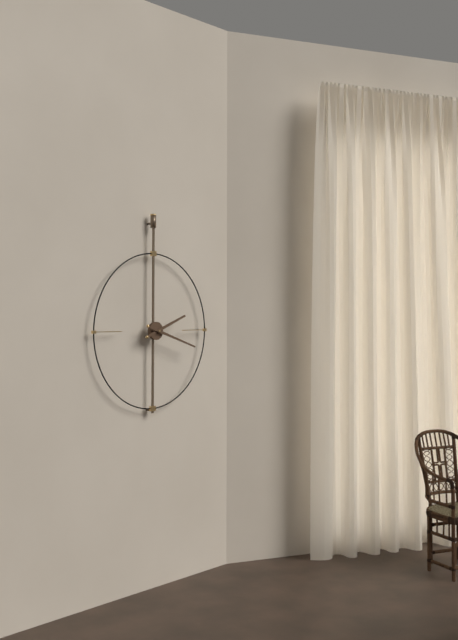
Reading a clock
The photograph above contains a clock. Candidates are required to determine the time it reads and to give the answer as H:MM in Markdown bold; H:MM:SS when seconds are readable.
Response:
**2:18**
